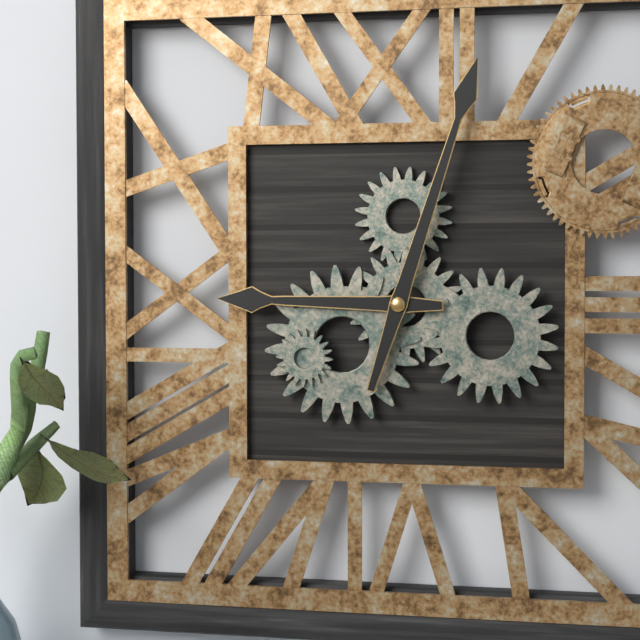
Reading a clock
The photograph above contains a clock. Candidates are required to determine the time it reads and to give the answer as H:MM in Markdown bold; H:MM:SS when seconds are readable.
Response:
**9:03**
